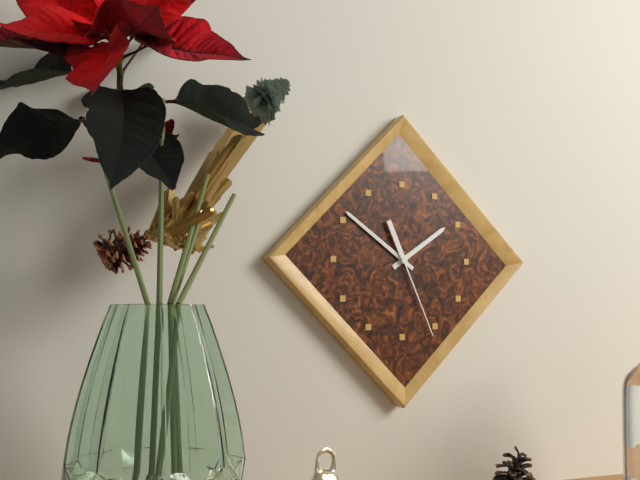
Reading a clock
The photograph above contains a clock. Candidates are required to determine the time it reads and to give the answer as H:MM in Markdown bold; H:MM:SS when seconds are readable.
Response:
**1:51:26**
